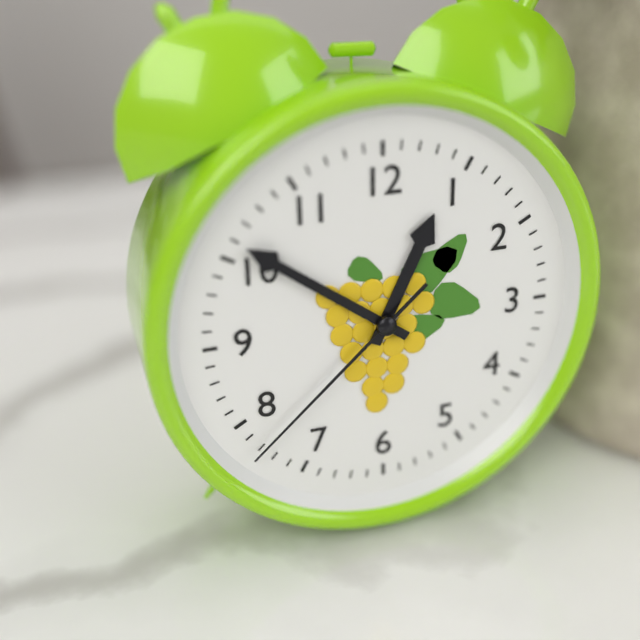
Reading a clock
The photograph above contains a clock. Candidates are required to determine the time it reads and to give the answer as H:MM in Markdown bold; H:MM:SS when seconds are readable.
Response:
**12:51:38**
